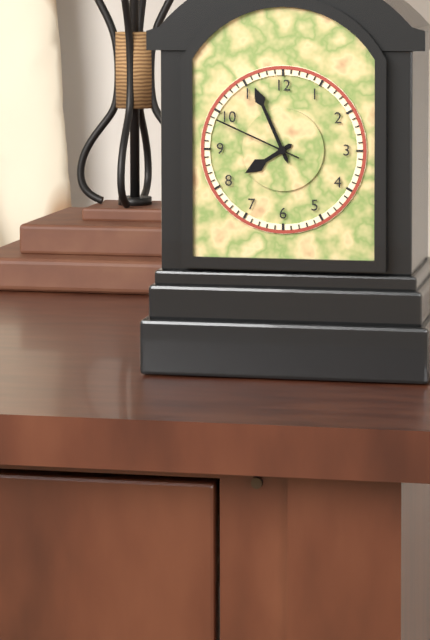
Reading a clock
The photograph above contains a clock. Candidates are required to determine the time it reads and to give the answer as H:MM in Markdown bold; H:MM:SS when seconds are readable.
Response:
**7:56:49**
